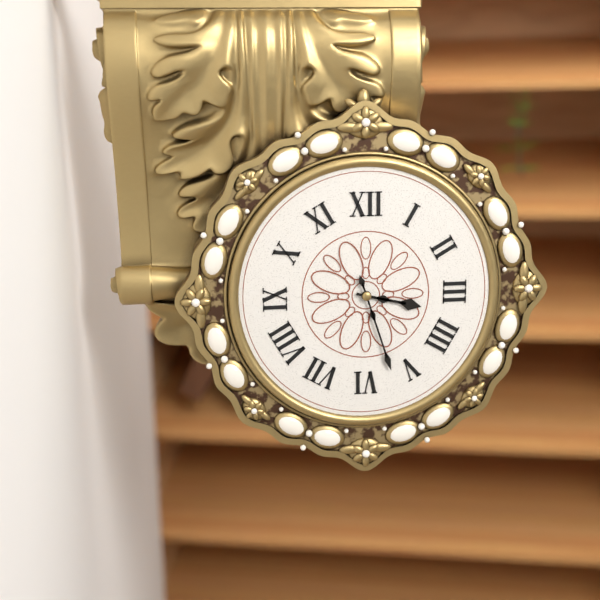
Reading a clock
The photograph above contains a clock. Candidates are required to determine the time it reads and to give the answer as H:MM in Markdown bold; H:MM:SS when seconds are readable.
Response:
**3:27**
